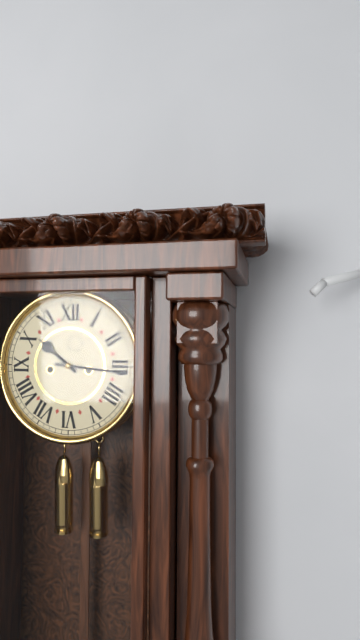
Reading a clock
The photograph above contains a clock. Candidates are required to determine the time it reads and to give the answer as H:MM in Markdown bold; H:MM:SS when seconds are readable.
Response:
**10:16**
